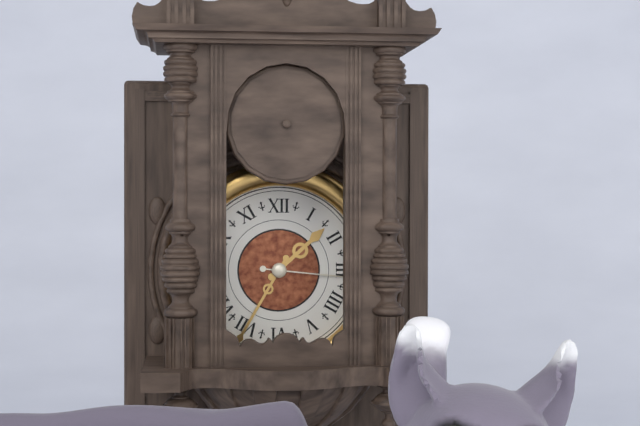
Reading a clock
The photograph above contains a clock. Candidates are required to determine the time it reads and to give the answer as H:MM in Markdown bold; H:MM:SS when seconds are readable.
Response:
**1:35:16**
